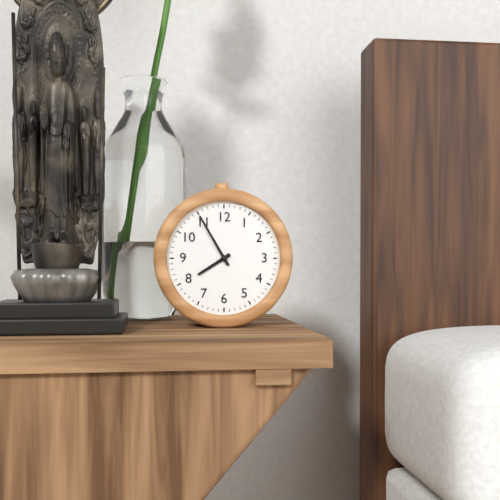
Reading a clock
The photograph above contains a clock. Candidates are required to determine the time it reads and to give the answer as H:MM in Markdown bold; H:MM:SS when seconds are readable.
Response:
**7:55**
